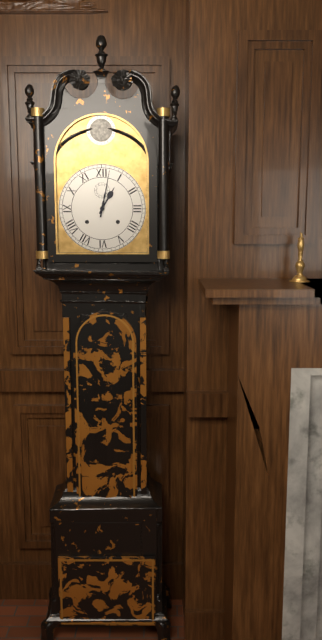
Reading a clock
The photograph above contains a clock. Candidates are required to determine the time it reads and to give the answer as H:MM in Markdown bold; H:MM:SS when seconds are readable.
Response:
**1:02**
